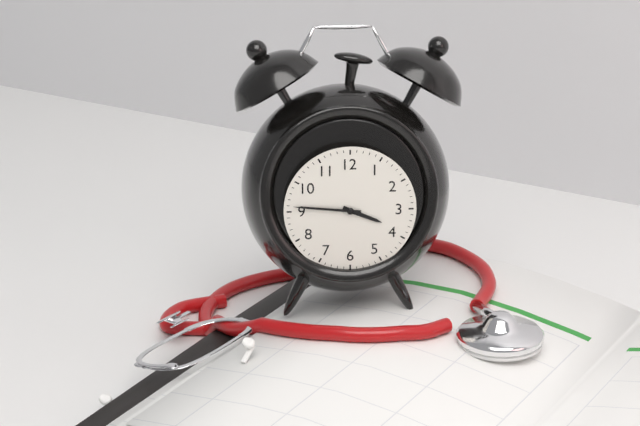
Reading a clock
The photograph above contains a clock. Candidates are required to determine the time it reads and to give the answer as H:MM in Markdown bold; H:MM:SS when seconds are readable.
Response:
**3:46**
